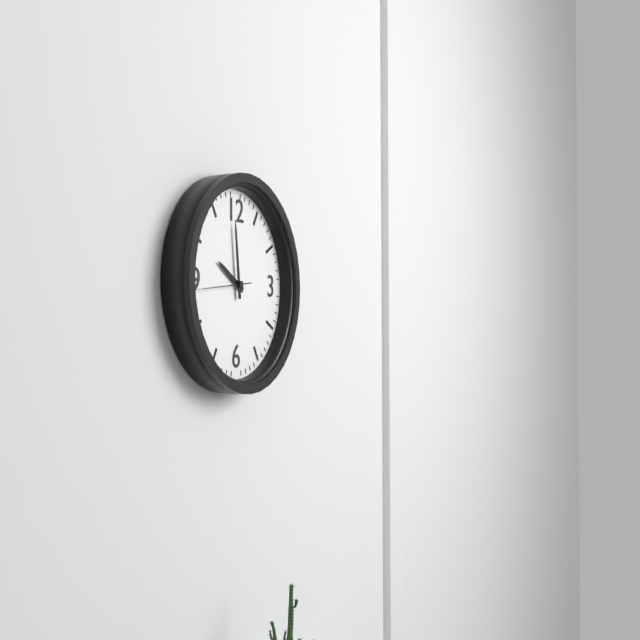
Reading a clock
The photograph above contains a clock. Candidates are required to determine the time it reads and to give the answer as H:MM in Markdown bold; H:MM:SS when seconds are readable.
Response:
**9:59**
